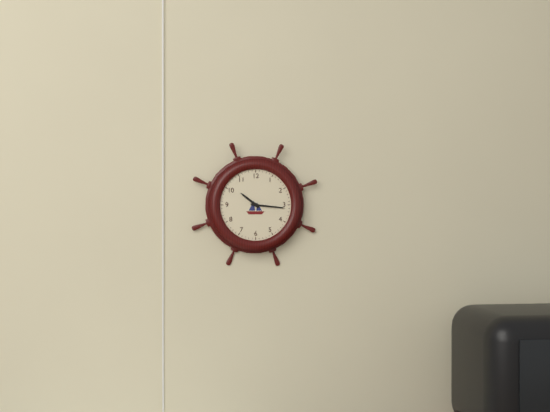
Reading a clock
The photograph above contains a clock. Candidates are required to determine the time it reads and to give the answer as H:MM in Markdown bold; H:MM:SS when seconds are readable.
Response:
**10:16**
